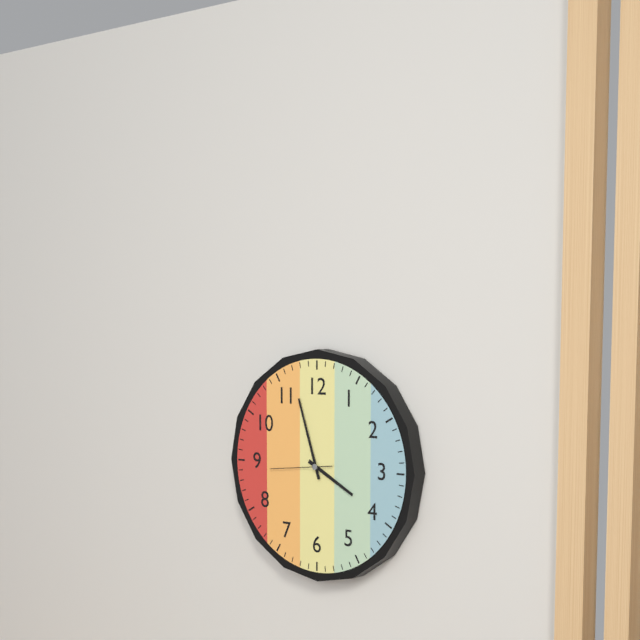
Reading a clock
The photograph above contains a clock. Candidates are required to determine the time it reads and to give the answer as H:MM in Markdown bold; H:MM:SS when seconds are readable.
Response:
**3:57:44**
